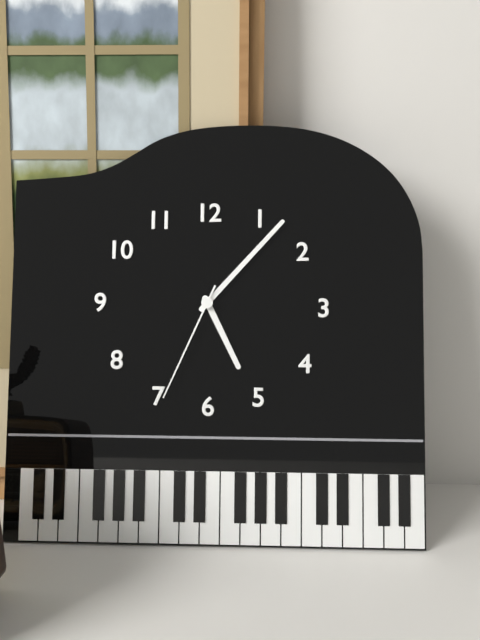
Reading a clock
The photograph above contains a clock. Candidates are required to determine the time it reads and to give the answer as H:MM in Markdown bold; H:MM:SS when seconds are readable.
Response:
**5:07:34**
